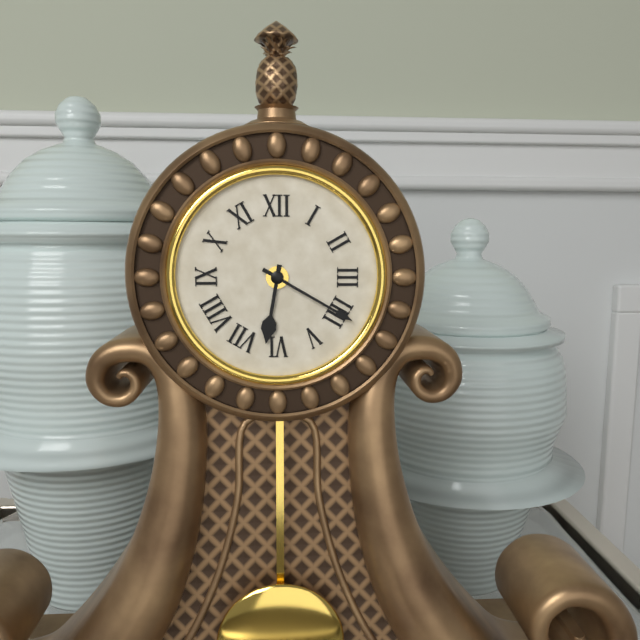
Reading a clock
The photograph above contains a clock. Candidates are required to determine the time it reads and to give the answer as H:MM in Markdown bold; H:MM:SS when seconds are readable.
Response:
**6:20**
